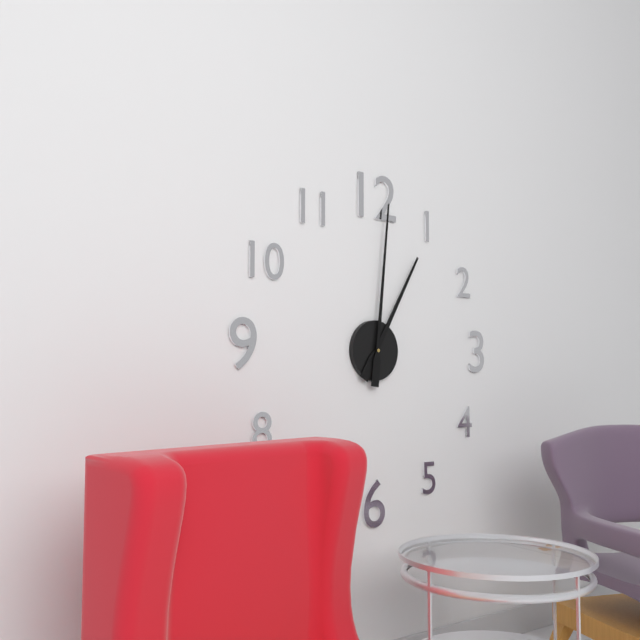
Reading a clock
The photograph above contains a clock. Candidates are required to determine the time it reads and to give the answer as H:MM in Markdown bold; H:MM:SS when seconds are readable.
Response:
**1:01**
